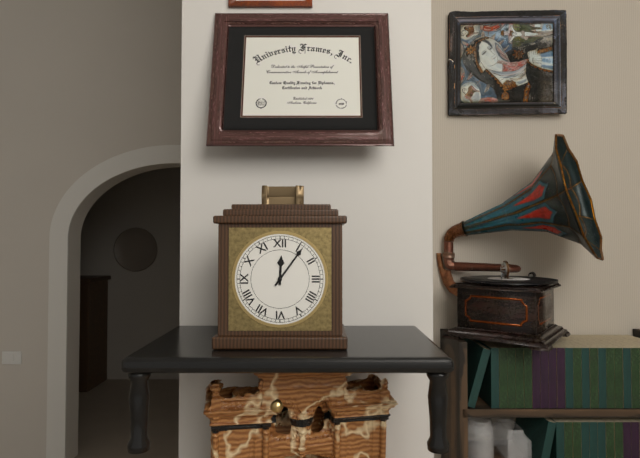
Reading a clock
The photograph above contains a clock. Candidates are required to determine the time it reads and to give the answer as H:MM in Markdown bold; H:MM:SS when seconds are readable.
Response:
**12:06**
